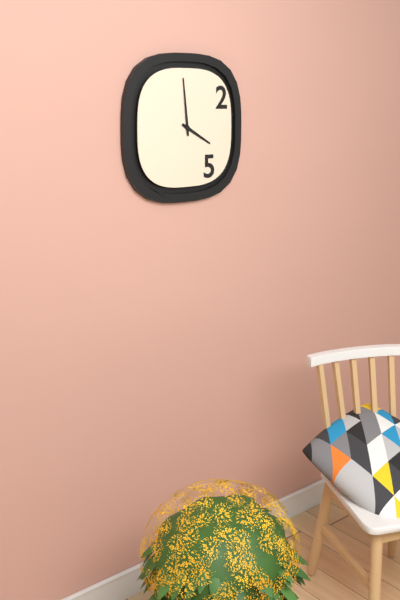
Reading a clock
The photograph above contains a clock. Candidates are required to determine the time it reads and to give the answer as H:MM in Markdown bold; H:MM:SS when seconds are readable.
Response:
**3:59**
